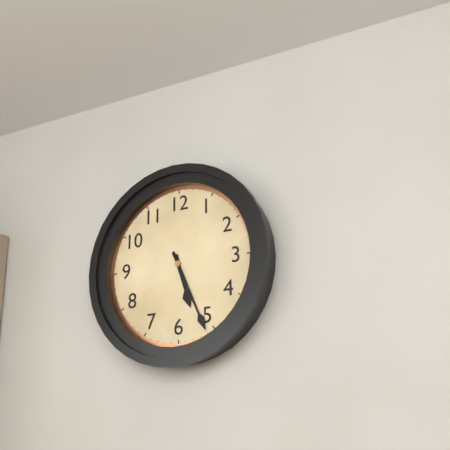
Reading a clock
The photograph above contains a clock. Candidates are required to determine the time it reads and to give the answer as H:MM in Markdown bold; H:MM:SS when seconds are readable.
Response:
**5:26**
